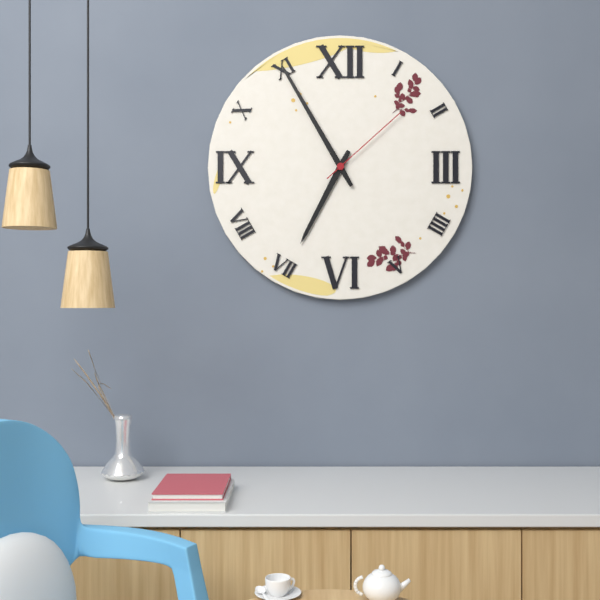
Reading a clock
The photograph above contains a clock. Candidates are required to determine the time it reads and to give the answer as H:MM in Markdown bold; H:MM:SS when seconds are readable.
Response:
**6:55:08**
